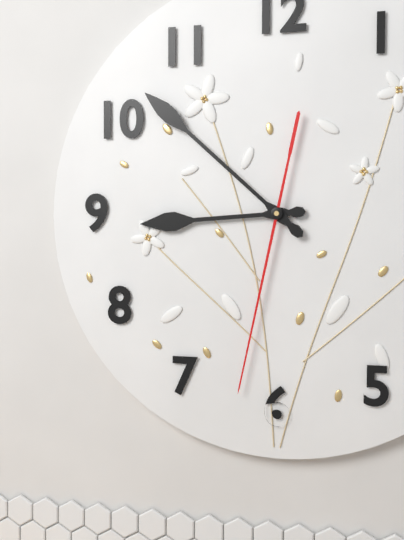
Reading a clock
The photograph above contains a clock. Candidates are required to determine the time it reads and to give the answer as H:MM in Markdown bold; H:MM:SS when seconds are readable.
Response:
**8:52:32**
